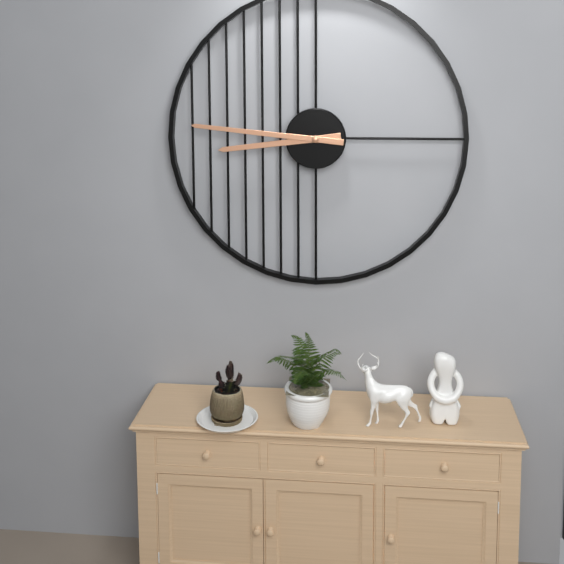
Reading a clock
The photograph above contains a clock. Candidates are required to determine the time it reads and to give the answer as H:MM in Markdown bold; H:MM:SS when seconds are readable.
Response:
**8:46**
